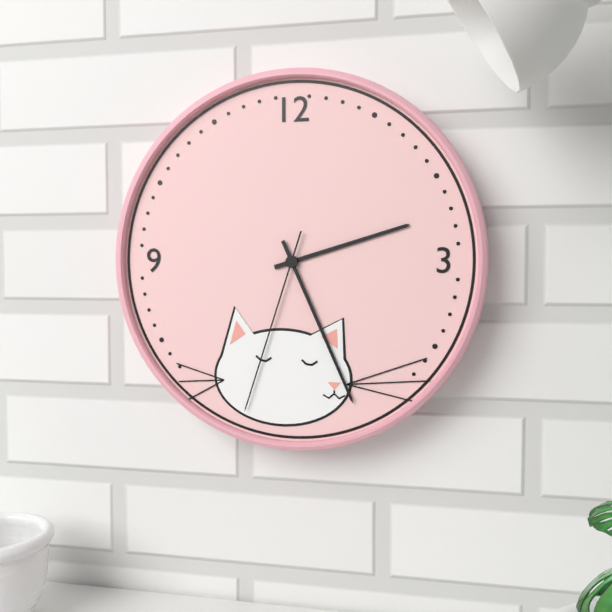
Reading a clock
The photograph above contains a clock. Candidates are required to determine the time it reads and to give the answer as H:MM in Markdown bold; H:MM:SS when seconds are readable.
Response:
**2:26:33**
